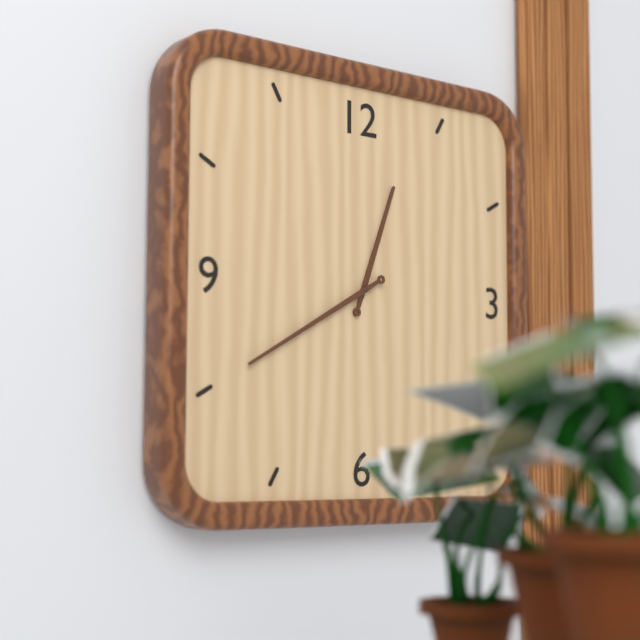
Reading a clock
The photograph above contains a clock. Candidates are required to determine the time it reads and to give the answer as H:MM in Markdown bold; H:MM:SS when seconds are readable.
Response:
**12:40**
